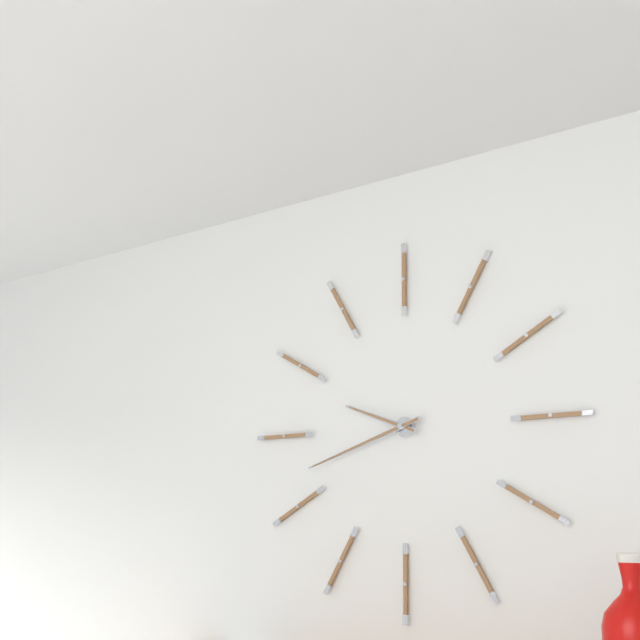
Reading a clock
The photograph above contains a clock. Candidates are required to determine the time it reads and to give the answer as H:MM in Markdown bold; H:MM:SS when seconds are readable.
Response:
**9:42**
